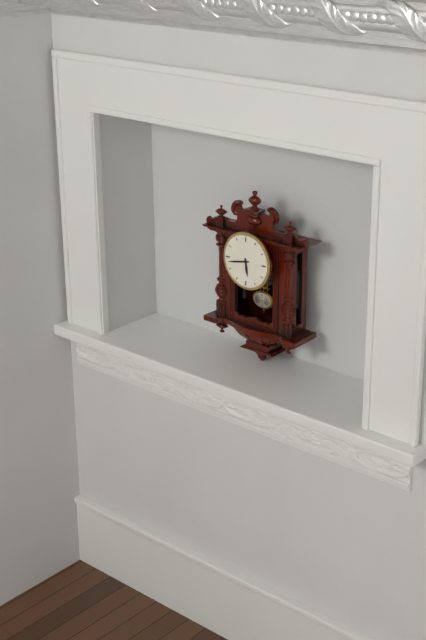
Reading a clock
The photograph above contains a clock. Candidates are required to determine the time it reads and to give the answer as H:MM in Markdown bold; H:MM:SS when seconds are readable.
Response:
**5:43**
